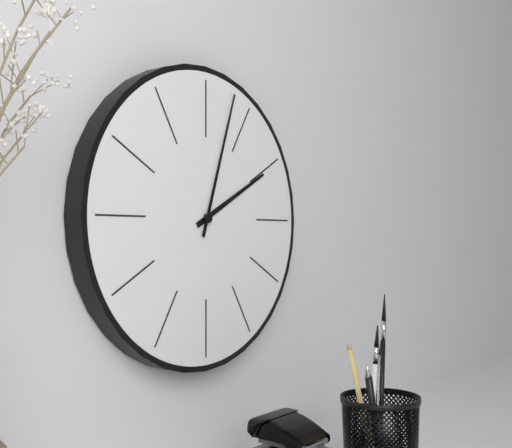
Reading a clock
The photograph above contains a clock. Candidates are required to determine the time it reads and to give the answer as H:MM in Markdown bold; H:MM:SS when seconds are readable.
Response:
**2:03**
